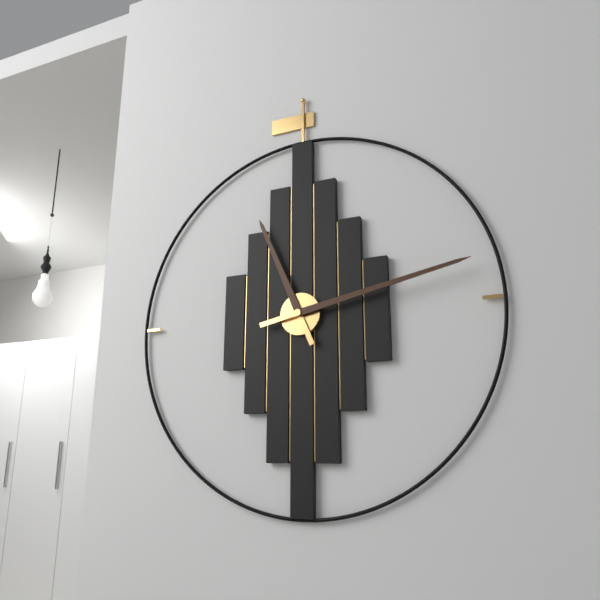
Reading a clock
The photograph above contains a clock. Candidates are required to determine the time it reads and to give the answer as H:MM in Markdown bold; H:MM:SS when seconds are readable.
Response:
**11:13**
